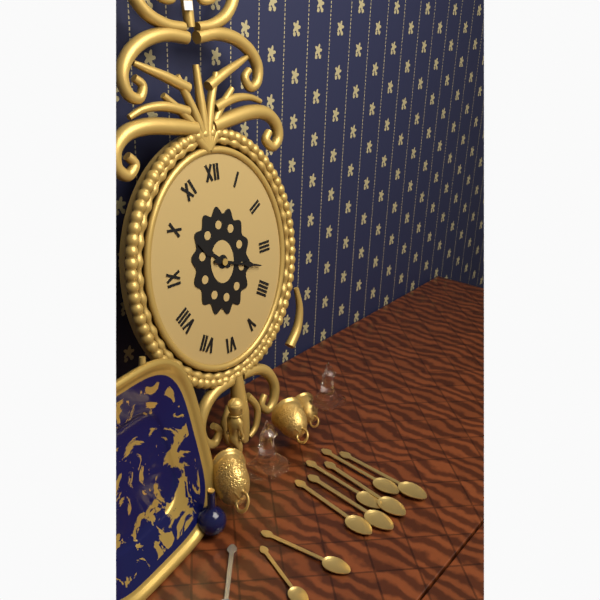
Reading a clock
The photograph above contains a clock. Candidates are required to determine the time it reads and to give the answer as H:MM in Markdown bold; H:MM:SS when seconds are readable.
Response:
**10:18**
